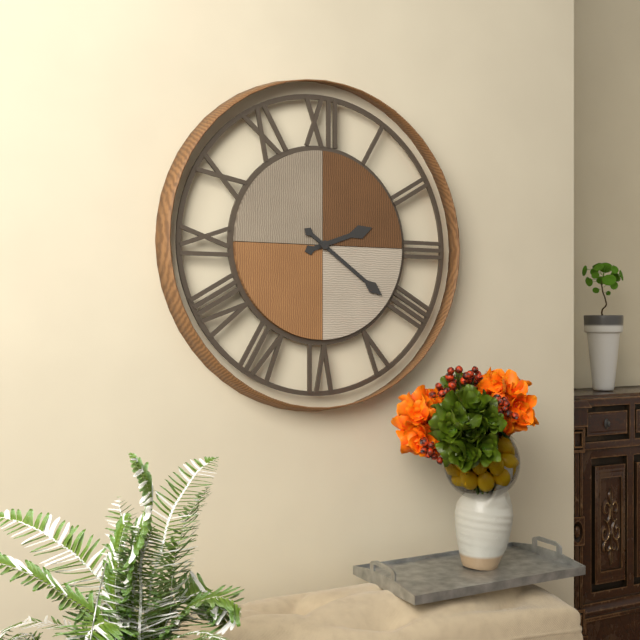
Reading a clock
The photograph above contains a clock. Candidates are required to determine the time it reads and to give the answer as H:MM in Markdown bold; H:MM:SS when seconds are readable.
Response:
**2:21**
